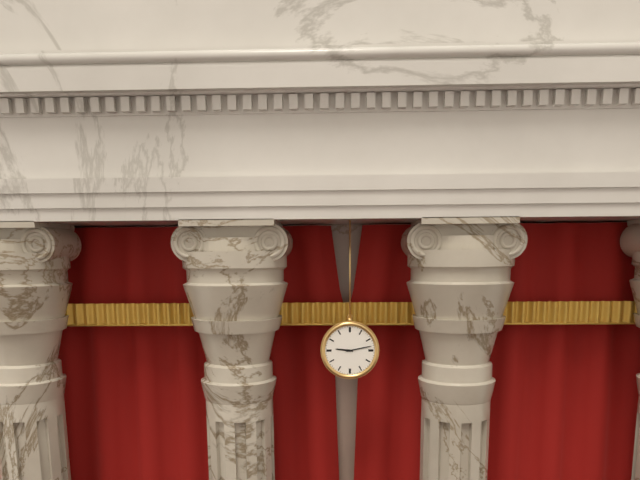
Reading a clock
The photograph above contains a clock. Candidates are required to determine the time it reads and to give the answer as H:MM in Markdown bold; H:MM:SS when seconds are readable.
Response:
**9:13**
